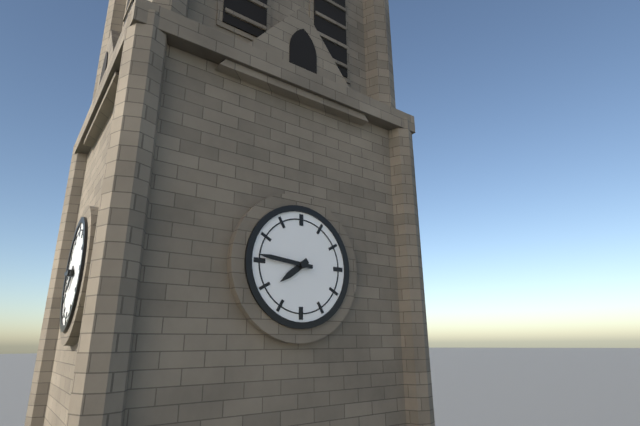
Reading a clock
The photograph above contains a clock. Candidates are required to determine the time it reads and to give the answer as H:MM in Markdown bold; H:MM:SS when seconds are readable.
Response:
**7:46**
